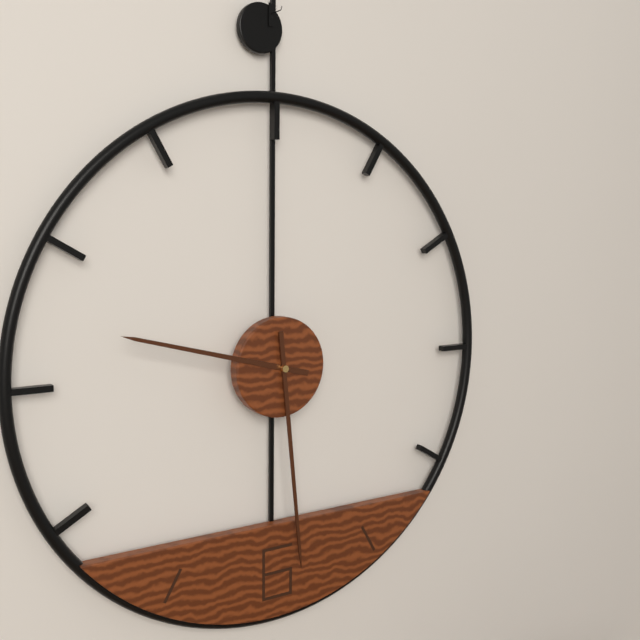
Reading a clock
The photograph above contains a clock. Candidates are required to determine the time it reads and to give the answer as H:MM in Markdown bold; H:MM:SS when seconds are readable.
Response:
**9:29**
